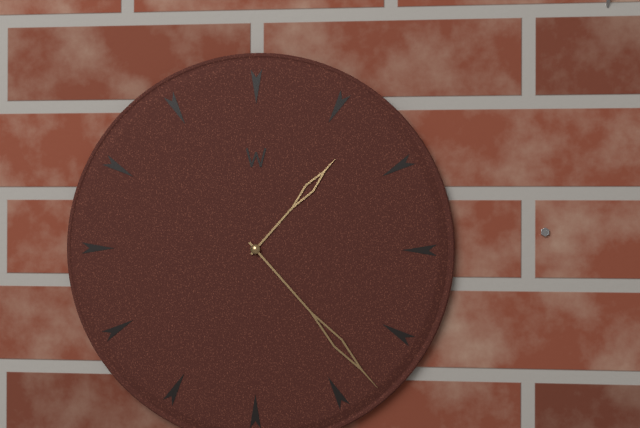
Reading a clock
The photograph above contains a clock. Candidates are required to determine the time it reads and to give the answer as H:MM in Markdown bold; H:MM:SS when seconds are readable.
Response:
**1:23**
